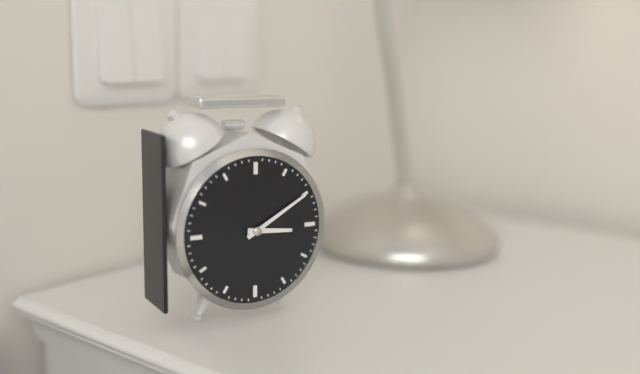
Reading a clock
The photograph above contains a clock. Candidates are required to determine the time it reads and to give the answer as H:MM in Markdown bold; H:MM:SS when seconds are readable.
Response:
**3:10**
